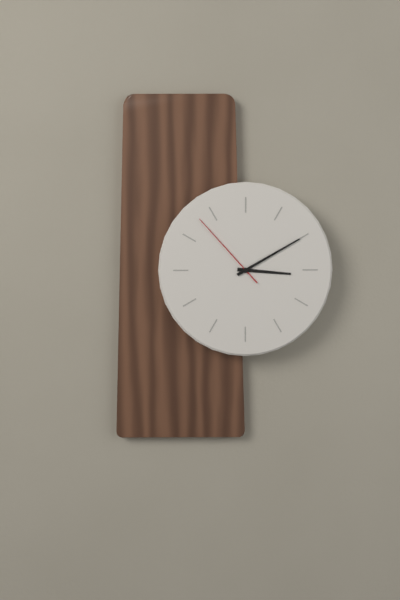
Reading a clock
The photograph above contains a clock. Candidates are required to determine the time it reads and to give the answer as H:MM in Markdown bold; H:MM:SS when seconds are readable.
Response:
**3:10:53**
